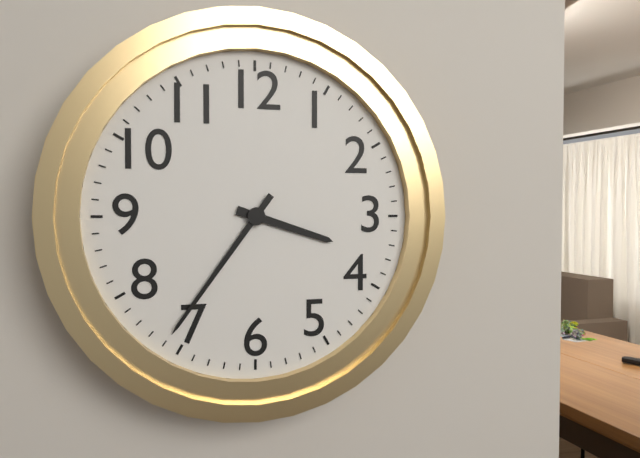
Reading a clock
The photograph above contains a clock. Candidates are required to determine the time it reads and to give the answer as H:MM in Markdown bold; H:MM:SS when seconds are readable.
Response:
**3:36**
